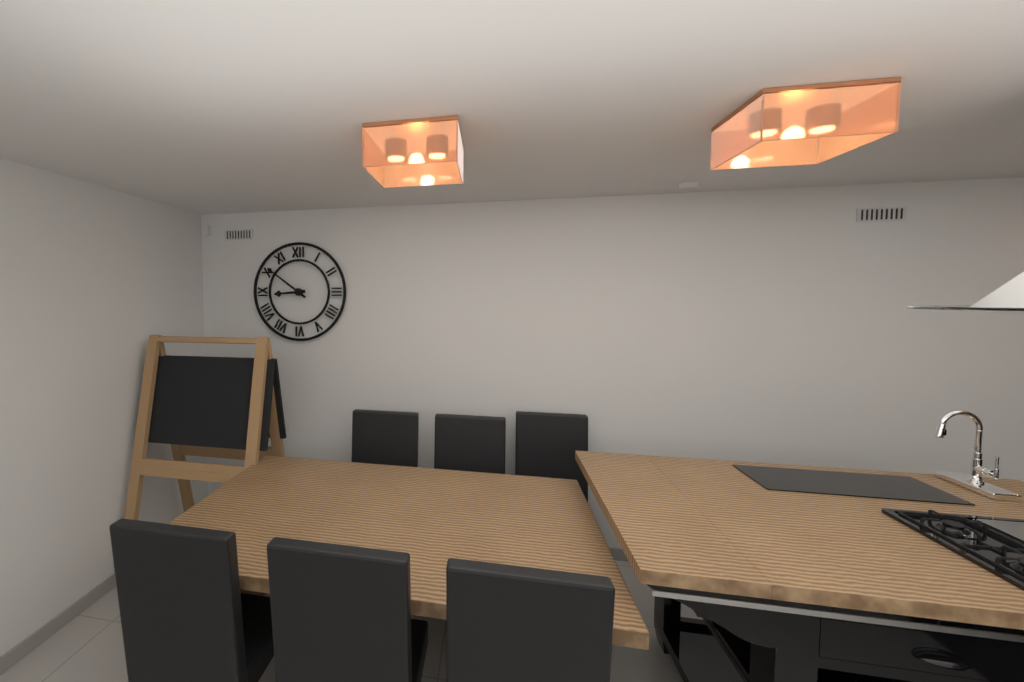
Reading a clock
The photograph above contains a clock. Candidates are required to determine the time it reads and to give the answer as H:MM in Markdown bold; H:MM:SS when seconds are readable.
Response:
**8:51**
